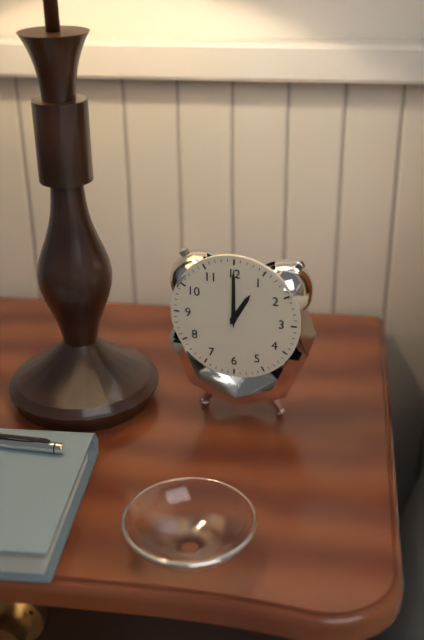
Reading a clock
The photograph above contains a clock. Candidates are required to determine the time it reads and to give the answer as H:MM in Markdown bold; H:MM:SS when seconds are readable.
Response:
**1:00**
